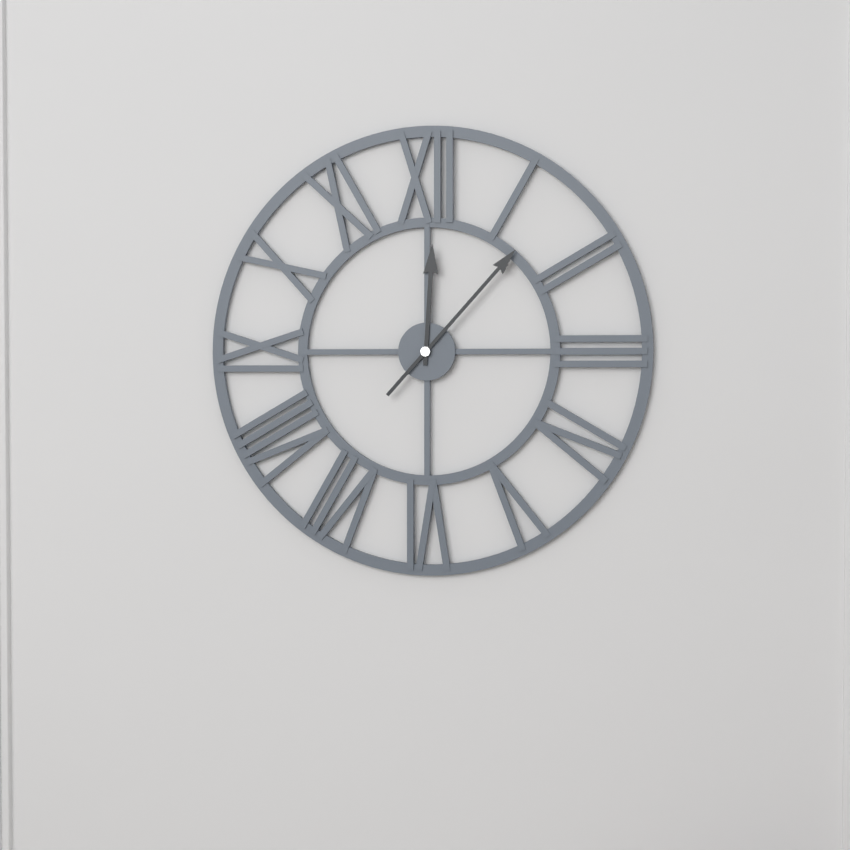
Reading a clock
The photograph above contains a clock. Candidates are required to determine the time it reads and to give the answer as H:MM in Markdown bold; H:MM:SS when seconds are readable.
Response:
**12:07**
